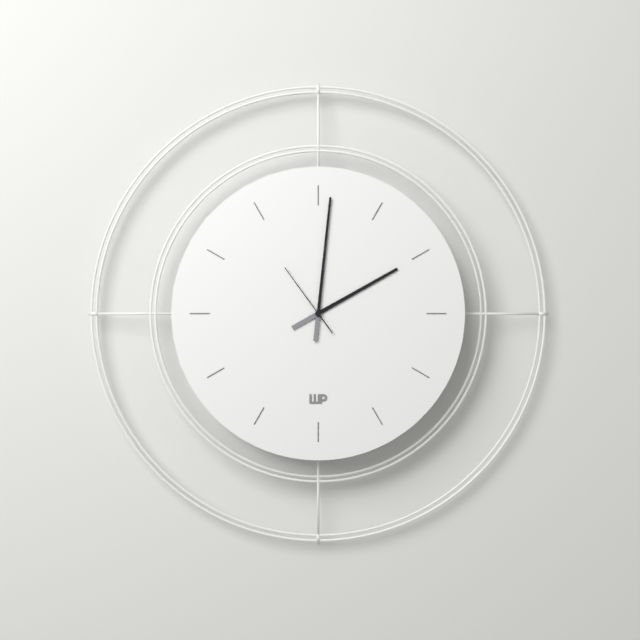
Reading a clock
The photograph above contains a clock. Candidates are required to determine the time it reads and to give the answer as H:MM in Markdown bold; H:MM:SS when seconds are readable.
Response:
**2:01:54**
